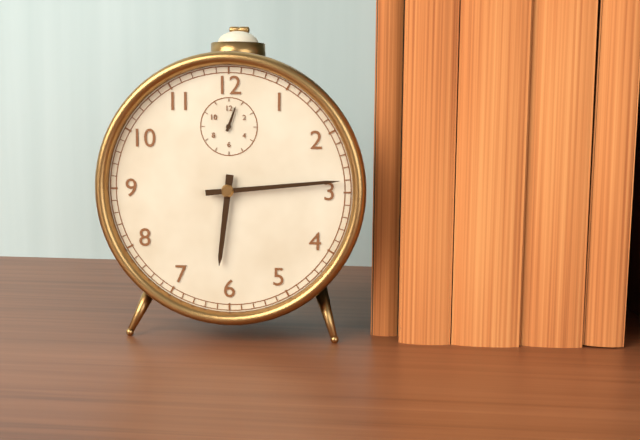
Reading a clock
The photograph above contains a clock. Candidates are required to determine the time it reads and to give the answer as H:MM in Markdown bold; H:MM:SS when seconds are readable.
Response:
**6:14**
